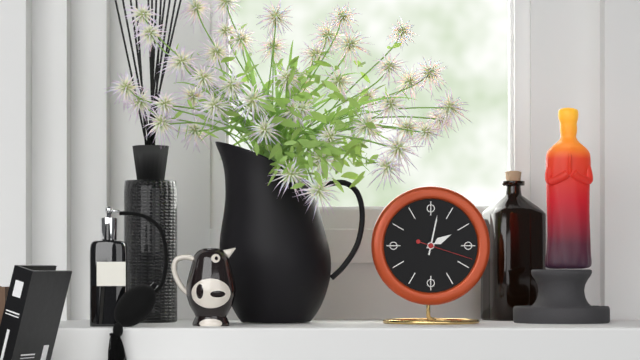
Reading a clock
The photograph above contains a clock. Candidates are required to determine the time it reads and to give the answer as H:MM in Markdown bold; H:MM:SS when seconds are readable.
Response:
**2:02:18**
